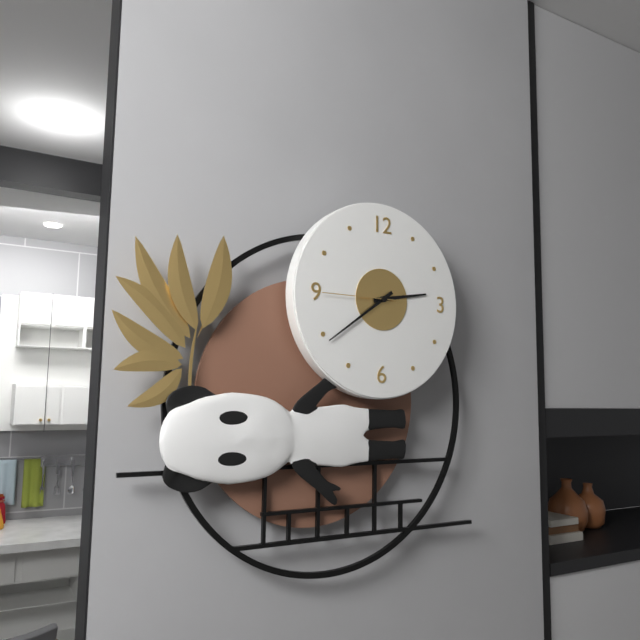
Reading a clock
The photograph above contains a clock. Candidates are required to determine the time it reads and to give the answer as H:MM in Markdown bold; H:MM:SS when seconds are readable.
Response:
**2:39:45**
